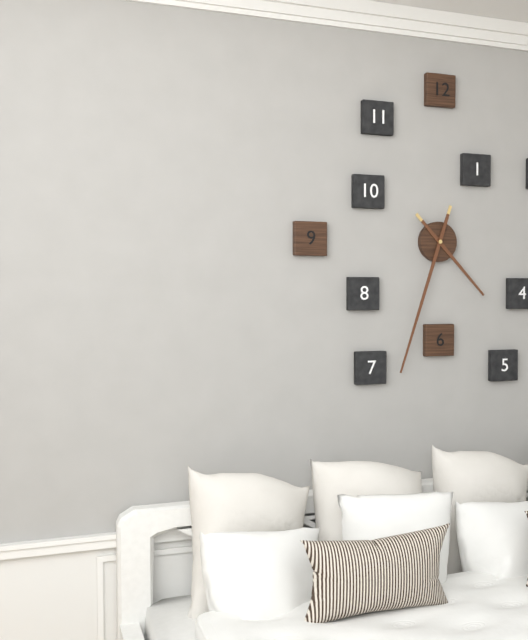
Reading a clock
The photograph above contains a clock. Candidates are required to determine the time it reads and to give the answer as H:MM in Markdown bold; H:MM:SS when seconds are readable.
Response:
**4:33**
